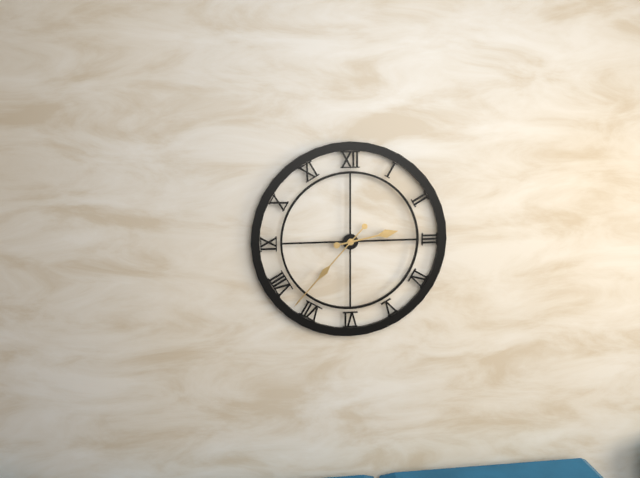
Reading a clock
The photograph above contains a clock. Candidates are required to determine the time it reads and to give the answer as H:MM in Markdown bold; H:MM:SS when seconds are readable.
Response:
**2:37**
